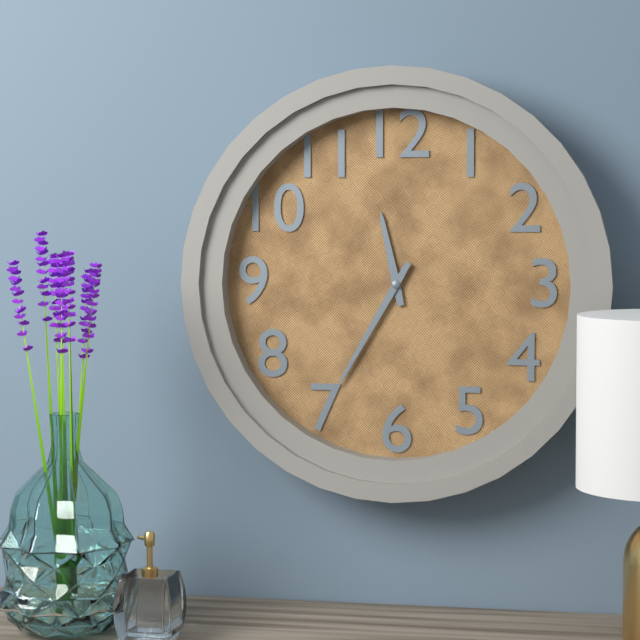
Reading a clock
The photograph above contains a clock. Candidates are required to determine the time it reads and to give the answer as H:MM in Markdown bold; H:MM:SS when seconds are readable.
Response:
**11:35**
